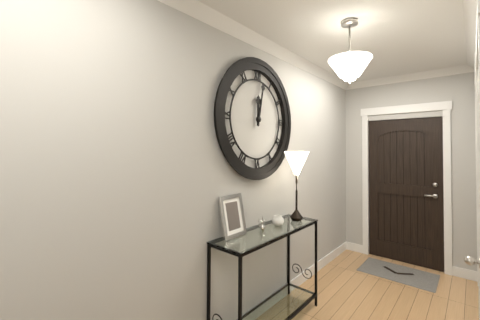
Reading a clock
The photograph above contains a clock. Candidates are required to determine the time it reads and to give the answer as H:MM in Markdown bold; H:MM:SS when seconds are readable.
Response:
**12:02**
